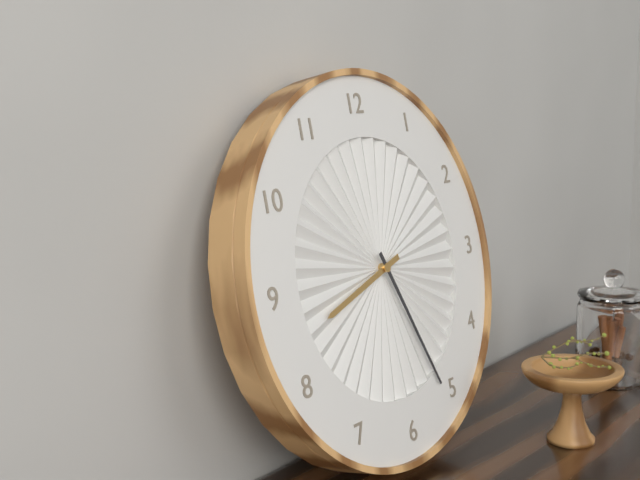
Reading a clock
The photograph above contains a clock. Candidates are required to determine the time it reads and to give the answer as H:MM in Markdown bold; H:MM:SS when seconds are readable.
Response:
**8:26**
